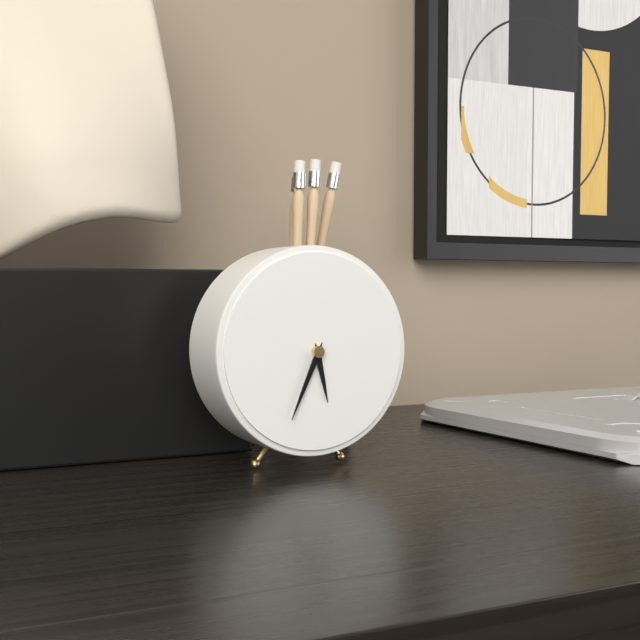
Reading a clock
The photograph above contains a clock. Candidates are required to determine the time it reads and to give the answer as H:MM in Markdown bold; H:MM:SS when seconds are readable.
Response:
**5:34**
